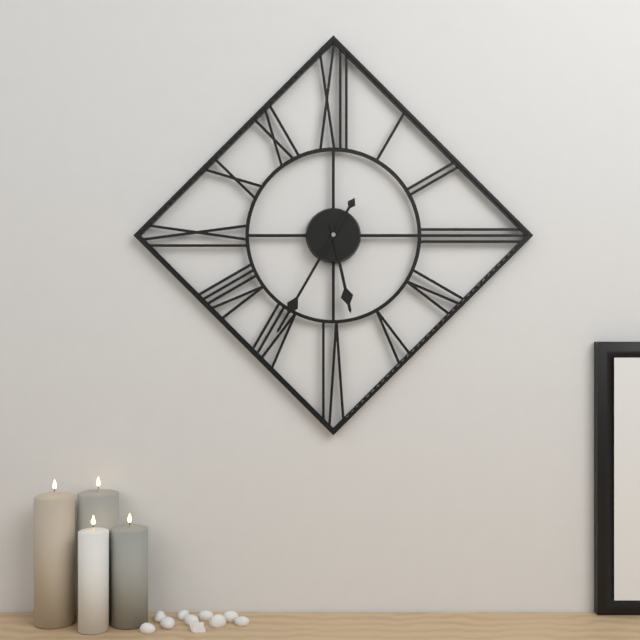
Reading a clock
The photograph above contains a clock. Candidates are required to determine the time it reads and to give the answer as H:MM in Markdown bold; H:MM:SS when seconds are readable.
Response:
**5:35**
